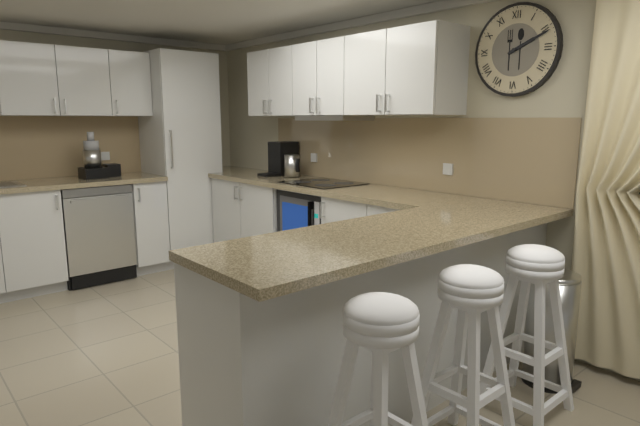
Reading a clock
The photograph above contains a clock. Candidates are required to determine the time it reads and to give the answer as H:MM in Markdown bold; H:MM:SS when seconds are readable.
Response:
**2:11**
